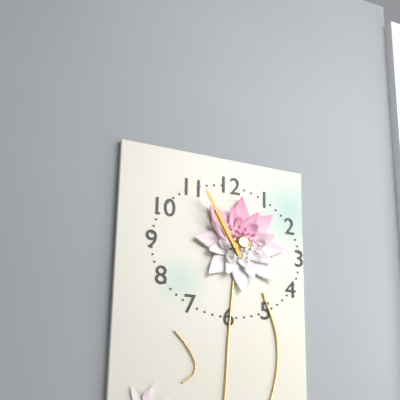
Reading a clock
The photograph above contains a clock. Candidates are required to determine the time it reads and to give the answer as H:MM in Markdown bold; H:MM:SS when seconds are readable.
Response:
**10:55**
